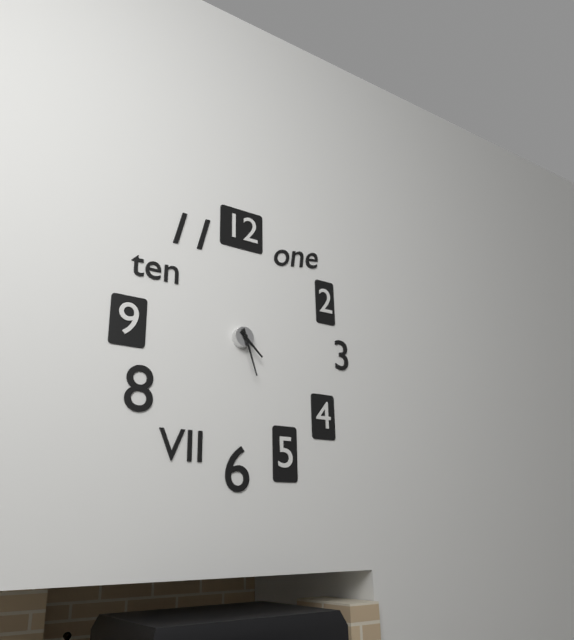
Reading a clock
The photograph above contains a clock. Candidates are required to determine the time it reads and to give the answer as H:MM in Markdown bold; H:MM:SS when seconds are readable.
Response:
**4:27**
